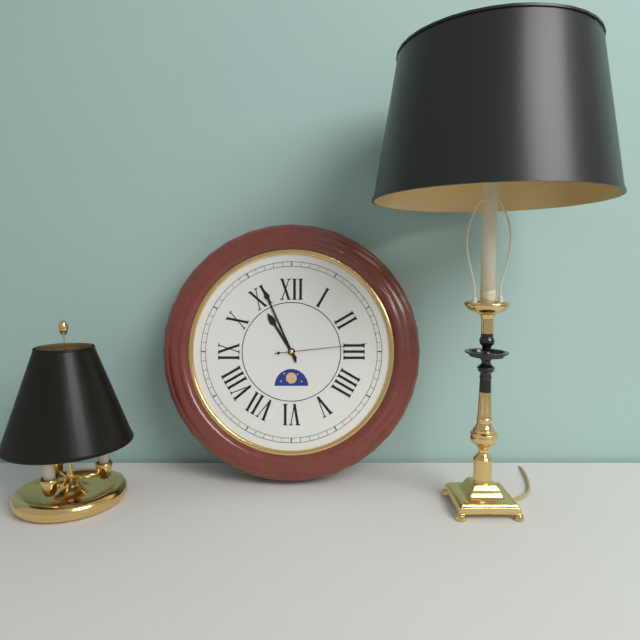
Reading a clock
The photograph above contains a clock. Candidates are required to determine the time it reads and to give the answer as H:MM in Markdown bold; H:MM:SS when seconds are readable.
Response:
**10:56:14**
